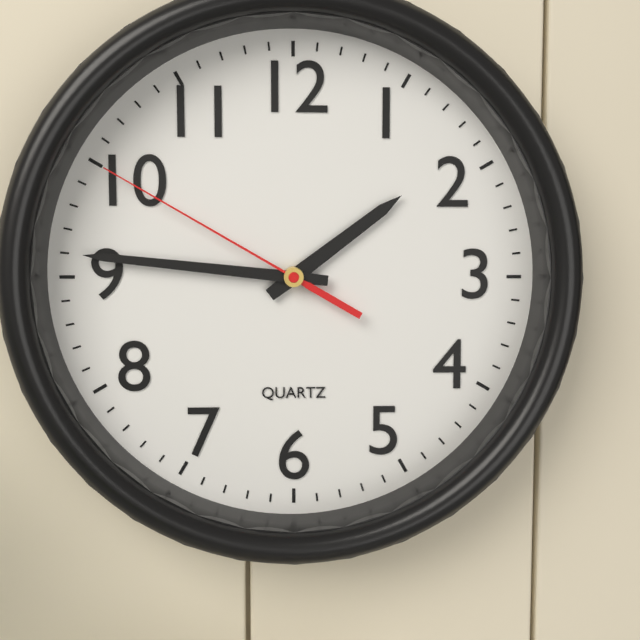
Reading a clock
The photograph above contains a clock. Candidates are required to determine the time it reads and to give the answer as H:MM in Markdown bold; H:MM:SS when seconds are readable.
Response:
**1:46:50**
